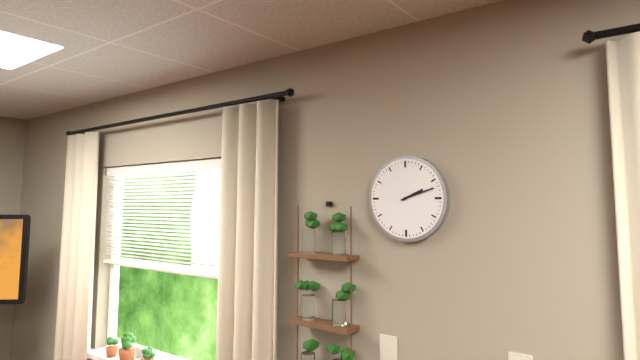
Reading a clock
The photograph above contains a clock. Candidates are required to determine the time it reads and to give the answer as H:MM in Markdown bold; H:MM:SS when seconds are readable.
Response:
**2:12**
